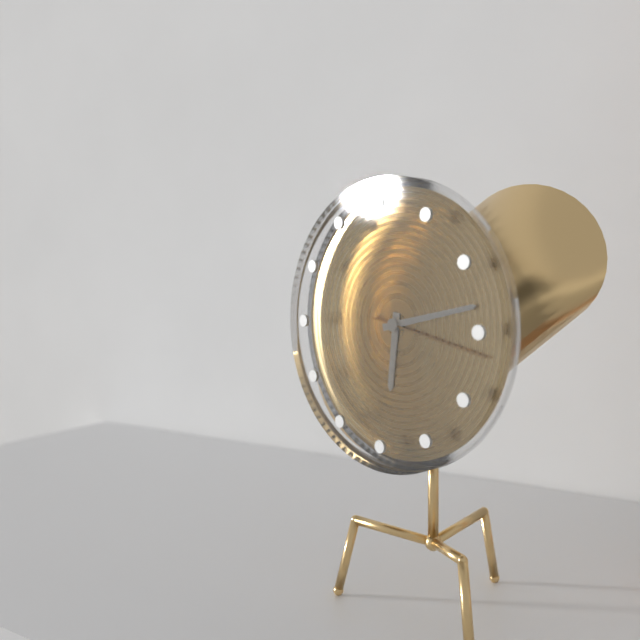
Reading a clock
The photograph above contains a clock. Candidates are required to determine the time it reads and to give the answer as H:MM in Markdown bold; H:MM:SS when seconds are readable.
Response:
**6:13:17**
